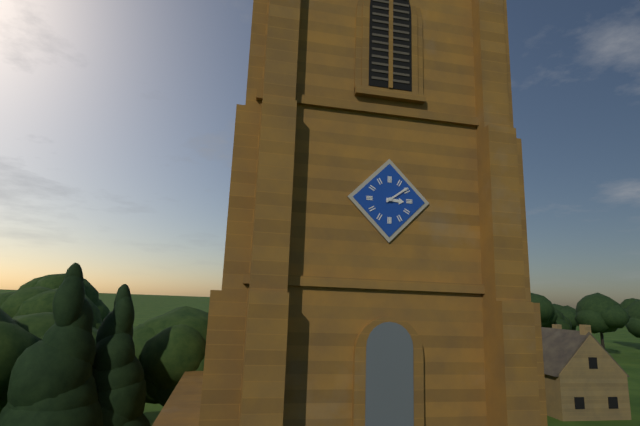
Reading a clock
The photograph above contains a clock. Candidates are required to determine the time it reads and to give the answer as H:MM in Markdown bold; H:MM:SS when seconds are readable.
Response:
**3:09**
